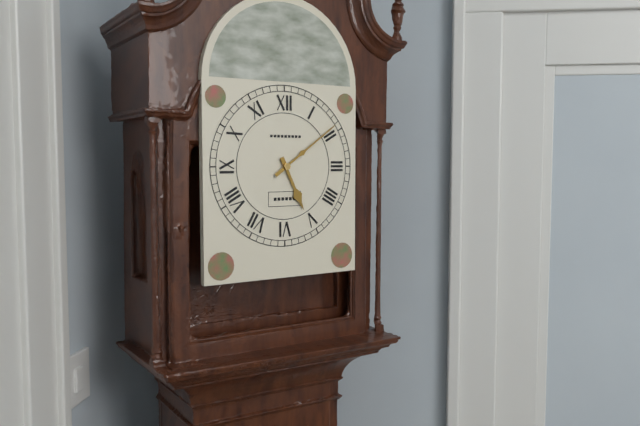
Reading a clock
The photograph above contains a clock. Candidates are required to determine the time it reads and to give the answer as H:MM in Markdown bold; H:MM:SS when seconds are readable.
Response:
**5:09**
